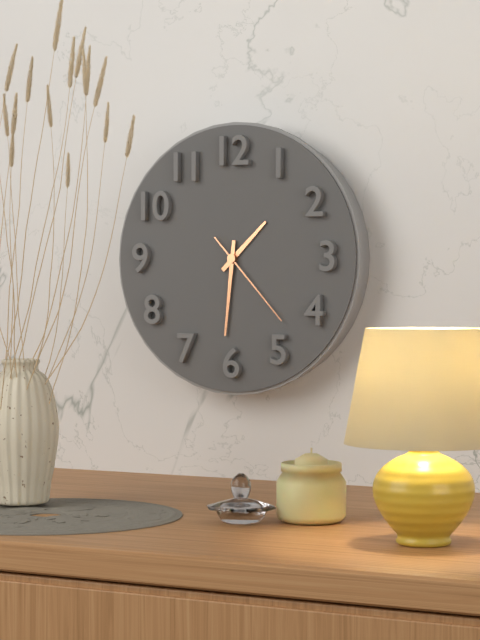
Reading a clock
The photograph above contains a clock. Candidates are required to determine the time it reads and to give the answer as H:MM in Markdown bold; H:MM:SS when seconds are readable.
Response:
**1:31:23**
